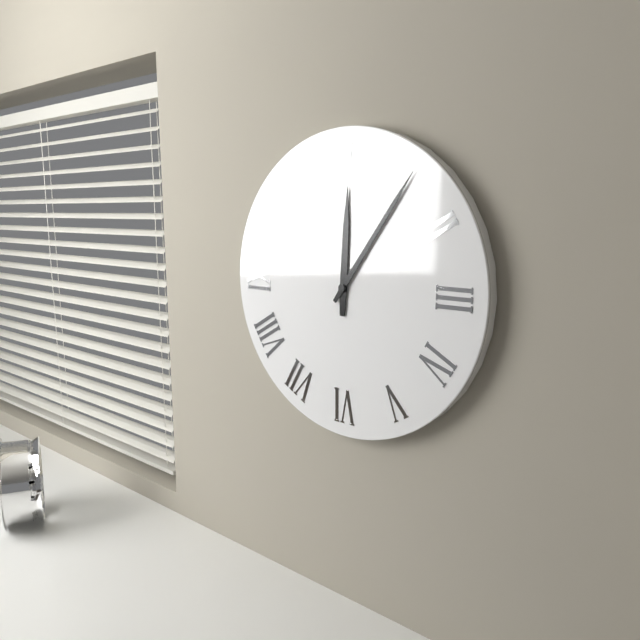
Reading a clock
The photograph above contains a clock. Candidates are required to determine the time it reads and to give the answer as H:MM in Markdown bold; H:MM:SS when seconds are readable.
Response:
**12:06**
